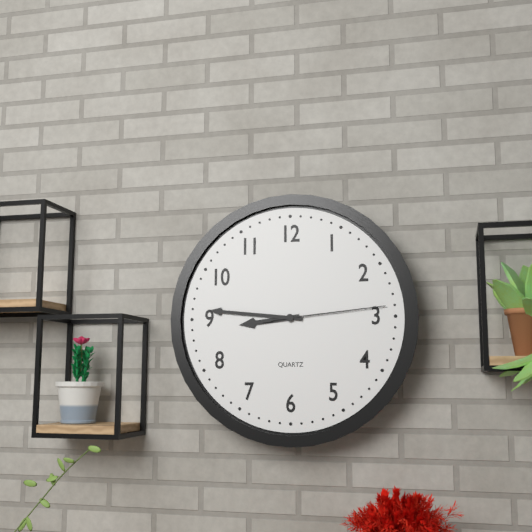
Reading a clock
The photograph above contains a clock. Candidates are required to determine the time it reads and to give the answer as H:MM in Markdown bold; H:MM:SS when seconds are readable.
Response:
**8:46:14**
